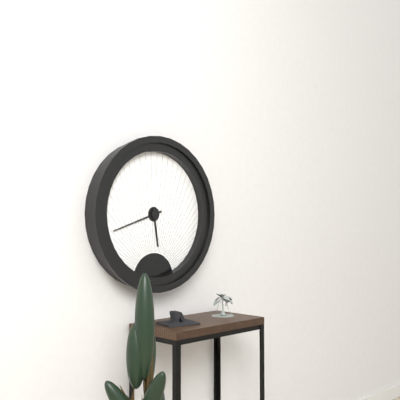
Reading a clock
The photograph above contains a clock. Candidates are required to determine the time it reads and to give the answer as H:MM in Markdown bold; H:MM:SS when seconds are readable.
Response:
**5:42**
